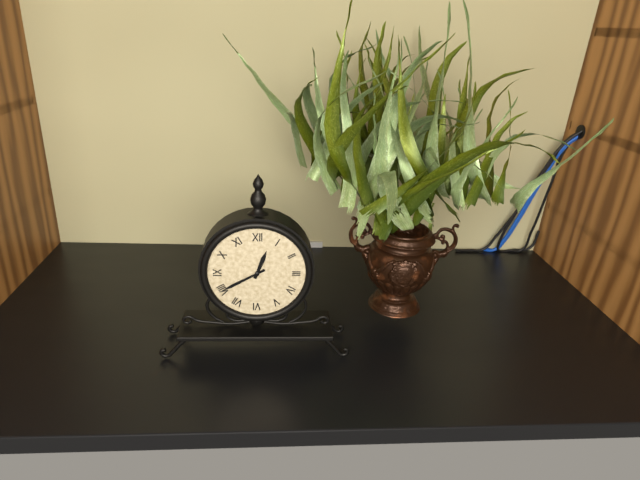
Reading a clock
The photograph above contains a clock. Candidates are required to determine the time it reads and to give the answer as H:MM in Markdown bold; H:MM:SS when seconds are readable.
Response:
**12:40**
